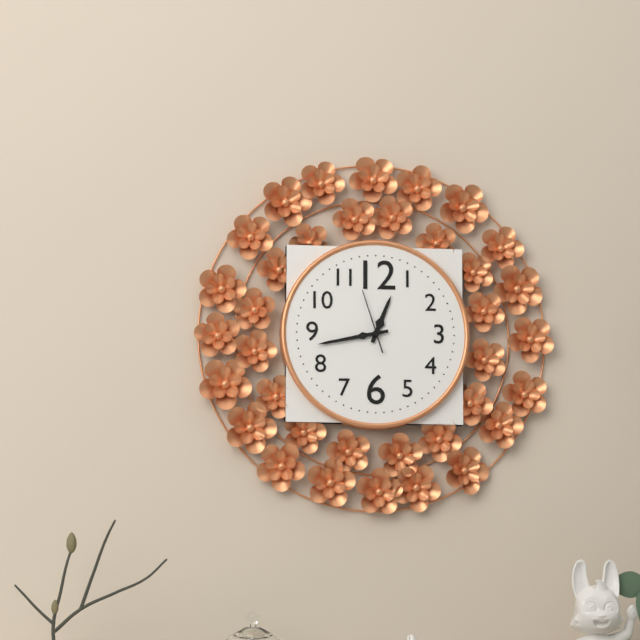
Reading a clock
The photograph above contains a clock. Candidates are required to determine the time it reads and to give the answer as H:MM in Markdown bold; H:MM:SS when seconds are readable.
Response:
**12:43:57**
